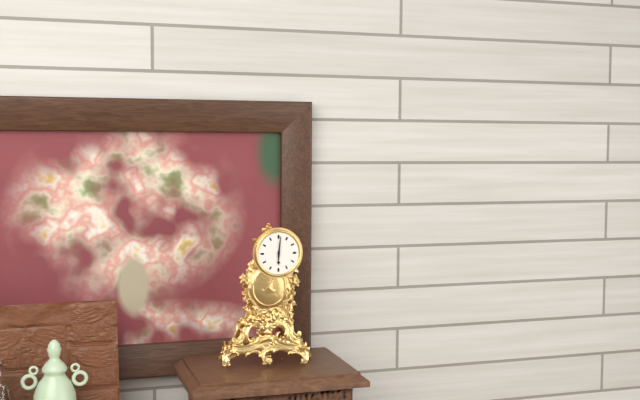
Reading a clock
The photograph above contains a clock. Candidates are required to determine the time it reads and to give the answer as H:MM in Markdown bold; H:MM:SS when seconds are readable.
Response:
**6:01**
